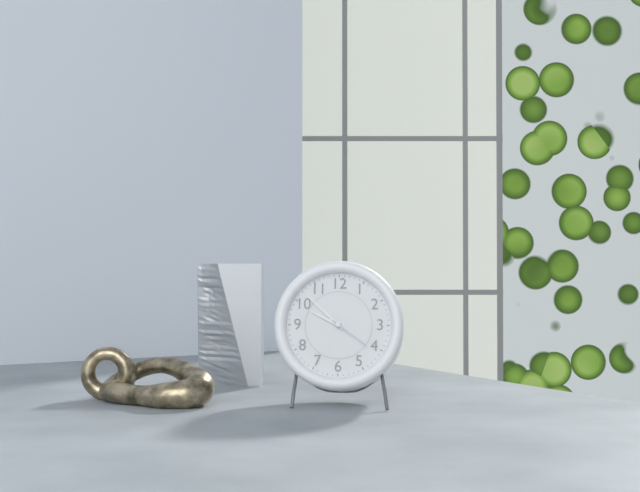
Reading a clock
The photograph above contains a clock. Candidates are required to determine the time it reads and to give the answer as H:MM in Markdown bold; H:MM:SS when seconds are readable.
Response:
**9:52**
